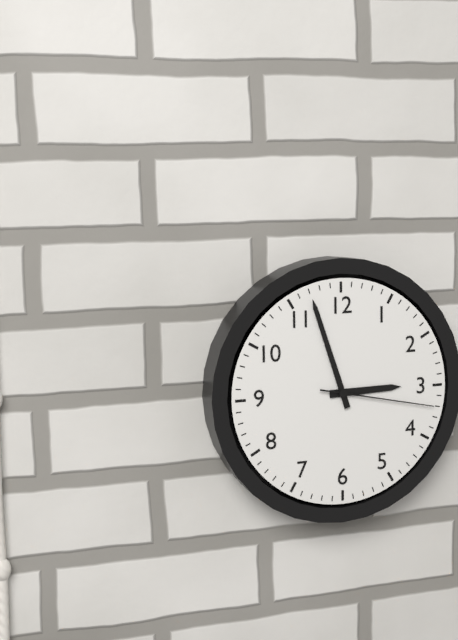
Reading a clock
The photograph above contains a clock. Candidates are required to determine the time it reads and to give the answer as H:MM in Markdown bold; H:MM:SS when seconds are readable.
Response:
**2:57:17**
